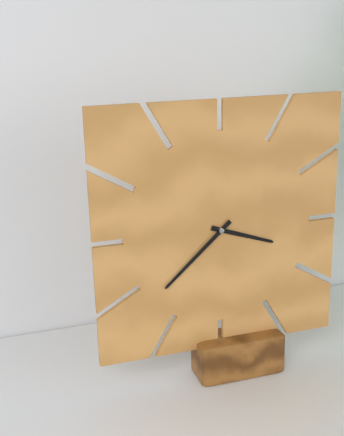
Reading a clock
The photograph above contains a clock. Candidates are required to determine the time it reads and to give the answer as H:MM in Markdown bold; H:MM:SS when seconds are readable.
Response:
**3:38**
